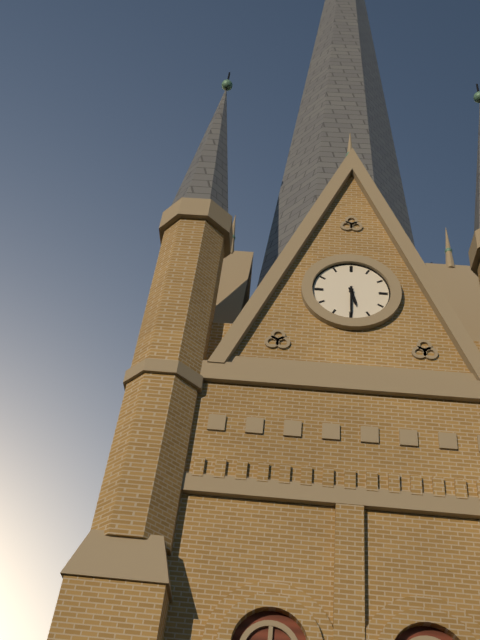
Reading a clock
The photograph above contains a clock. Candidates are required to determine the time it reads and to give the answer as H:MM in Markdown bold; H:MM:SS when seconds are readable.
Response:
**5:30**
